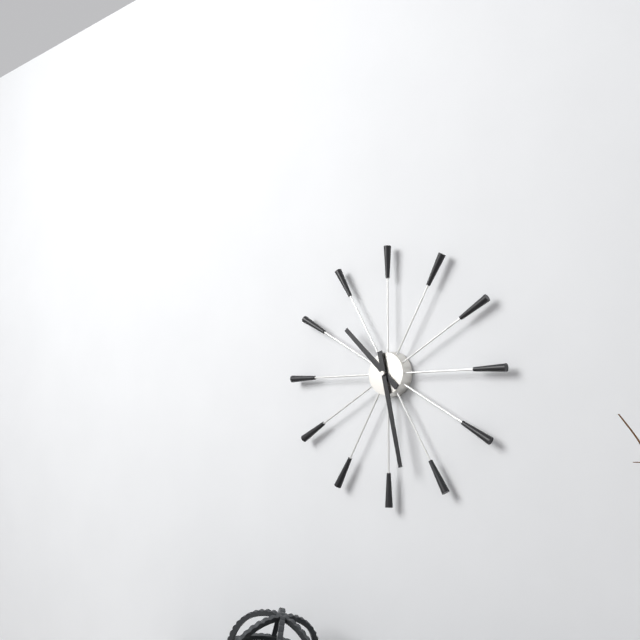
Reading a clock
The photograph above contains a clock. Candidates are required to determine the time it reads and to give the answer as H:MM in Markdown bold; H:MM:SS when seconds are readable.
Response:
**10:28**
